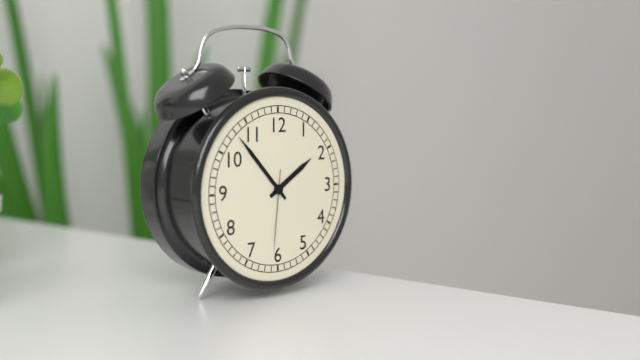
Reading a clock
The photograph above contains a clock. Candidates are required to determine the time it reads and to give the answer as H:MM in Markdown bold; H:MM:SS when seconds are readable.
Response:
**1:53:31**
